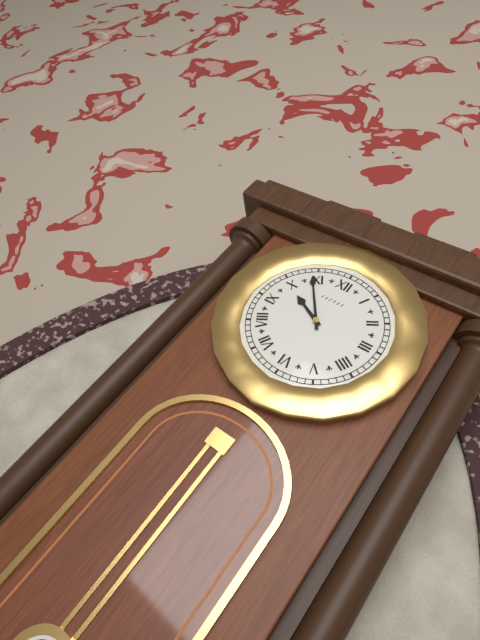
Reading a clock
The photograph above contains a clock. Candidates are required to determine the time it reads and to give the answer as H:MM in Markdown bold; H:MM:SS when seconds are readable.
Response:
**9:54**
